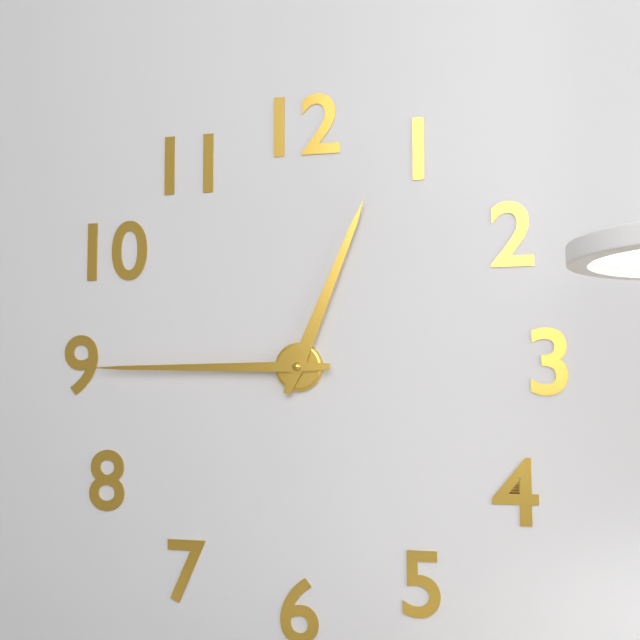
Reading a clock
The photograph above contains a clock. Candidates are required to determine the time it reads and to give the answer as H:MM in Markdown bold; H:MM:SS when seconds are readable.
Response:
**12:45**
